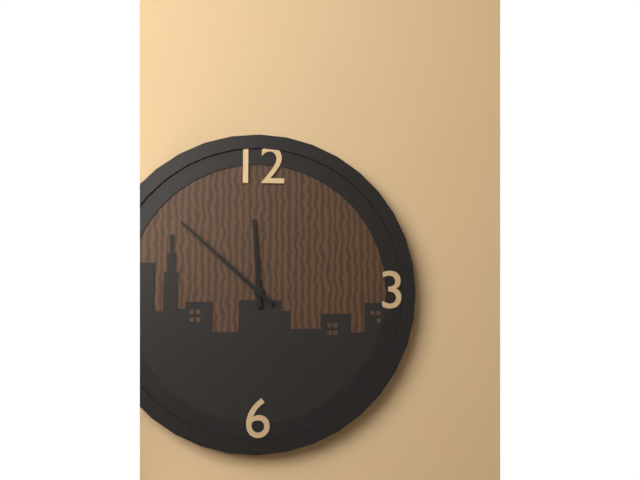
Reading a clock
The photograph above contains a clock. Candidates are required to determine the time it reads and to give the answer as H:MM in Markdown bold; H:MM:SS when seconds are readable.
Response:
**11:52**
